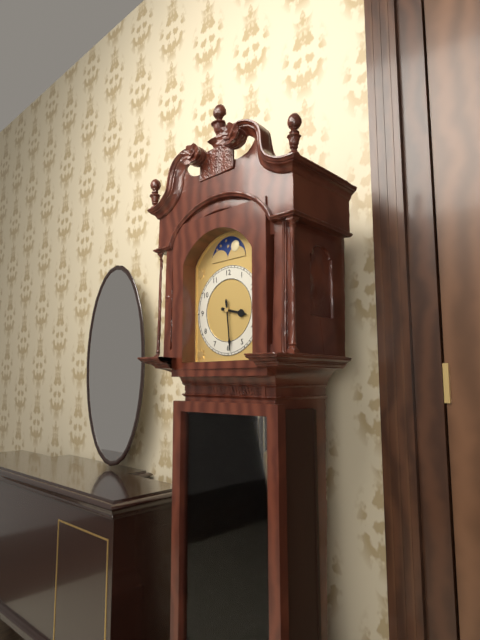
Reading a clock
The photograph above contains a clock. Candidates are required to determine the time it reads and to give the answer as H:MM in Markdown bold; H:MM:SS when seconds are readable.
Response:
**3:29**
